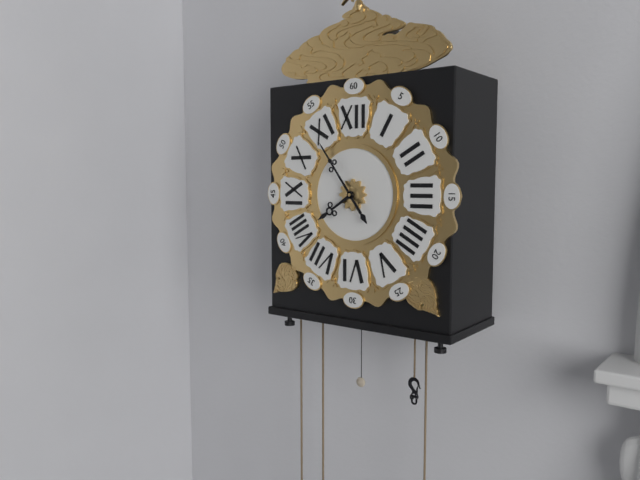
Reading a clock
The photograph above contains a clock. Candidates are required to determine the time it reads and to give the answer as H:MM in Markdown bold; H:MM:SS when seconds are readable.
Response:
**7:54**
